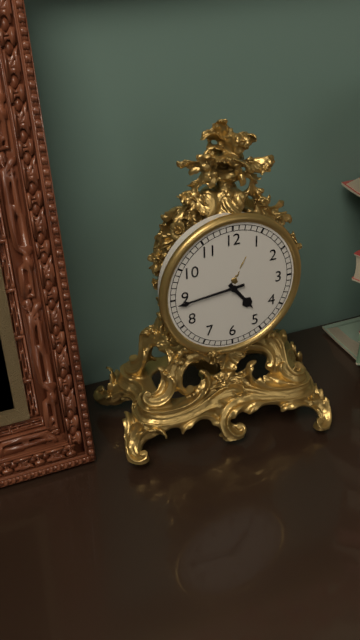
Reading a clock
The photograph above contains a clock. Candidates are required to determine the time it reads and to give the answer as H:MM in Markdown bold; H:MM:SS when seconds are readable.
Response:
**4:44**
